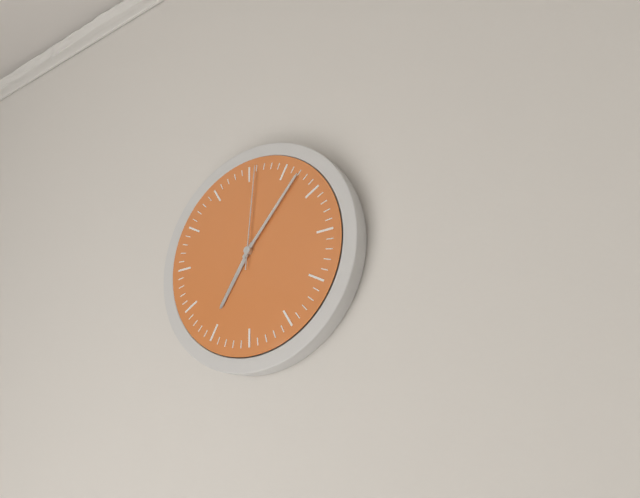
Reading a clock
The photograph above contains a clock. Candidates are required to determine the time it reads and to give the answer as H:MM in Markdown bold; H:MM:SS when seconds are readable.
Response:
**7:07:01**
